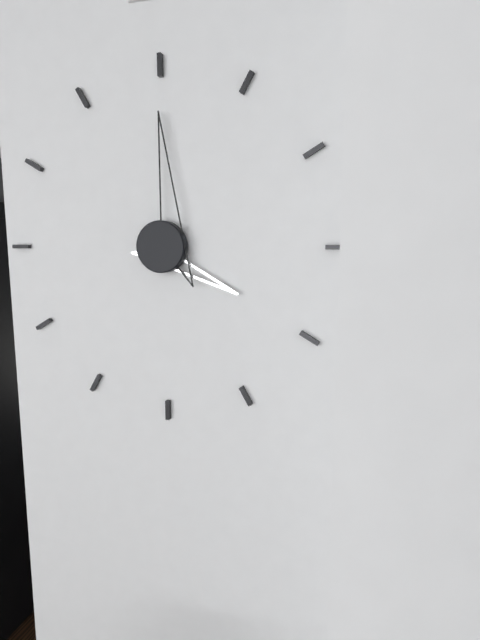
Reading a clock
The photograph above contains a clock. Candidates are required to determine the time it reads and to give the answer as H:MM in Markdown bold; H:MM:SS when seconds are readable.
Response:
**4:00**
